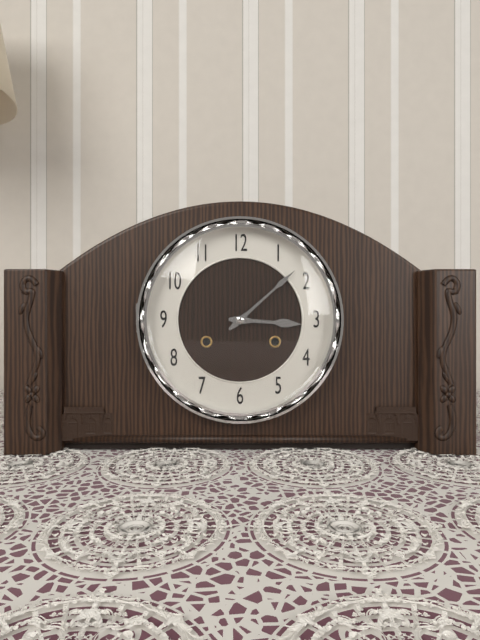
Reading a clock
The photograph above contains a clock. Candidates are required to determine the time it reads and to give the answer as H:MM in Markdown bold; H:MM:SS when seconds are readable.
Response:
**3:08**
